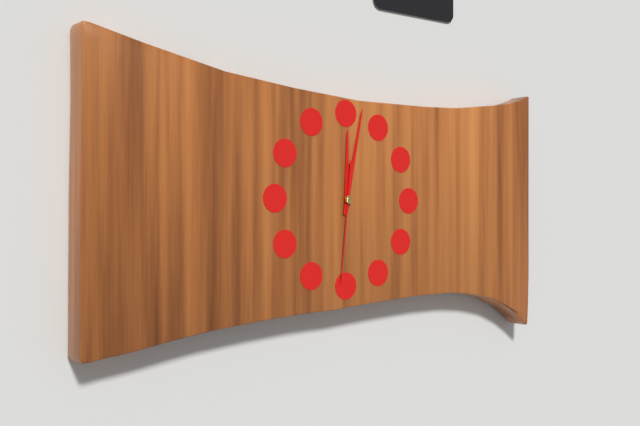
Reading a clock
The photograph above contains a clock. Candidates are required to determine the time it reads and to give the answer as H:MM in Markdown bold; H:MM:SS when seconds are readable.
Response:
**12:02:31**
